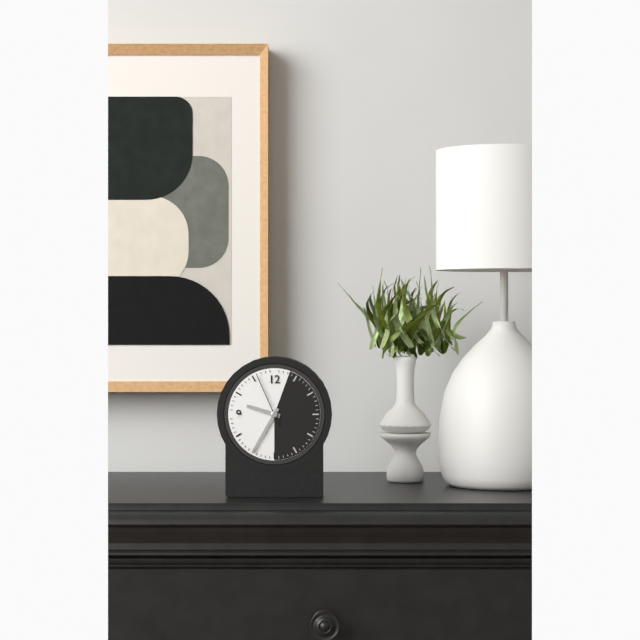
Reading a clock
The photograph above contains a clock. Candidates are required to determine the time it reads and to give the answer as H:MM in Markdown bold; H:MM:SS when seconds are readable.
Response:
**9:35:56**
